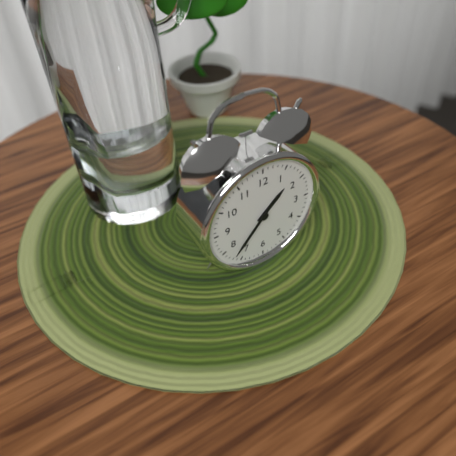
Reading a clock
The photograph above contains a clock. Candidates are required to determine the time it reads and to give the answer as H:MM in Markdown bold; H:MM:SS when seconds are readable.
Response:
**1:37**
